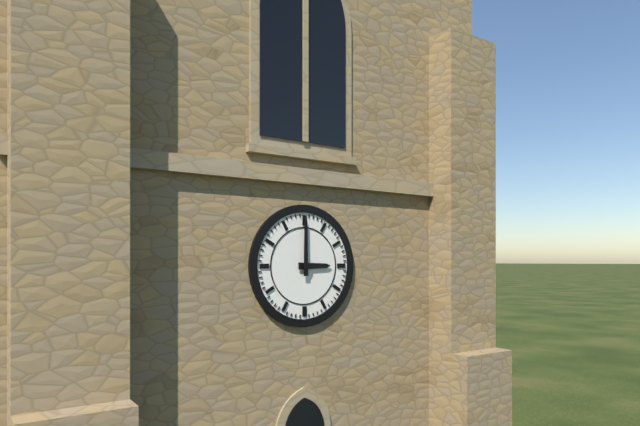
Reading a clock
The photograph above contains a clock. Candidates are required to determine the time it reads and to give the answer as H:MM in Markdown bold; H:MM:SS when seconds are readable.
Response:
**3:00**
